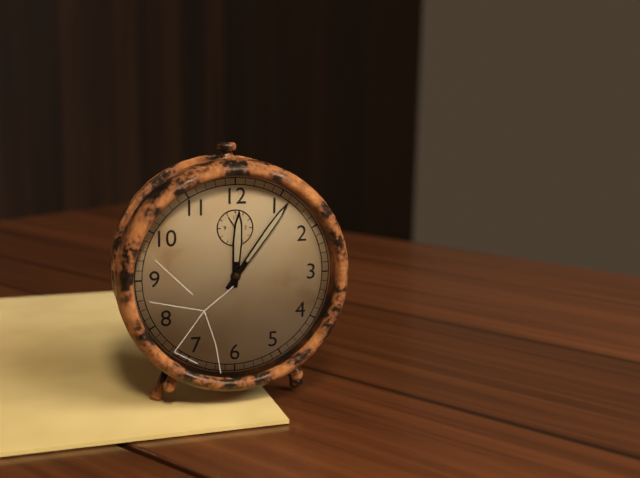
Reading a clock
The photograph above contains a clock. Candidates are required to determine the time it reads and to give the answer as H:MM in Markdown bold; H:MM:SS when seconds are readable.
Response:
**12:06**
